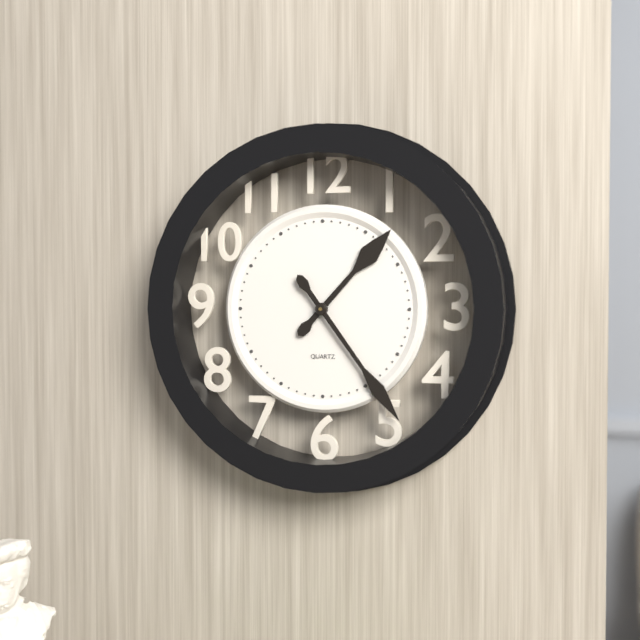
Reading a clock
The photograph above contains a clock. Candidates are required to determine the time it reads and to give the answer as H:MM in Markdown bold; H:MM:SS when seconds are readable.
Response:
**1:24**
